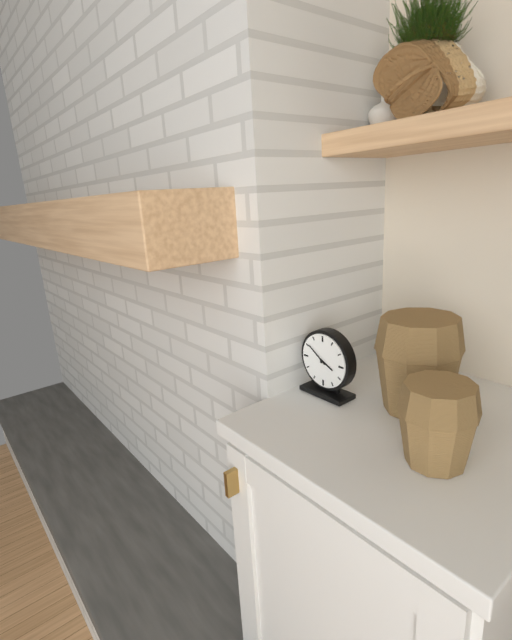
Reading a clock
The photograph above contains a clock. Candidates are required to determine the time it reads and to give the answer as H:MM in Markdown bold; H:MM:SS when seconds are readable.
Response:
**3:51**
